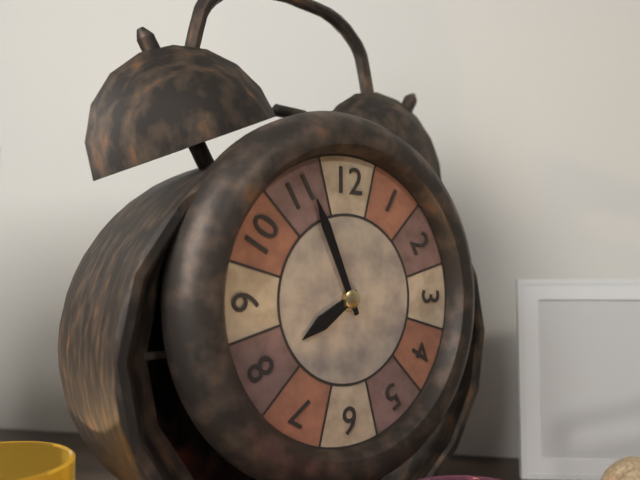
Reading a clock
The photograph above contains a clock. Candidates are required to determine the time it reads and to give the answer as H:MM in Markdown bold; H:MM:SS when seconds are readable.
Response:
**7:56**
